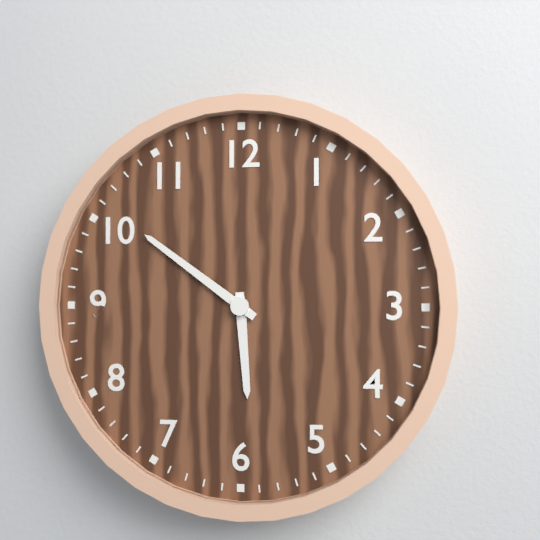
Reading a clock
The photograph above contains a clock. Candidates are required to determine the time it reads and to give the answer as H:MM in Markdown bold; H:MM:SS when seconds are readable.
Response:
**5:51**
